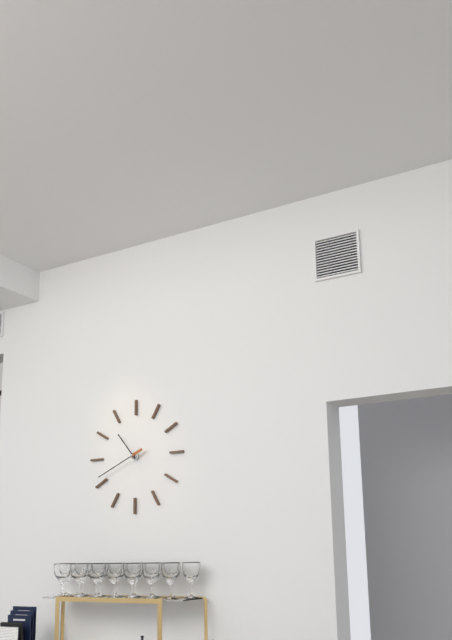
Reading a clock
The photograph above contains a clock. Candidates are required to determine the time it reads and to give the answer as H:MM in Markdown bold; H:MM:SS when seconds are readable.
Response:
**10:41**
